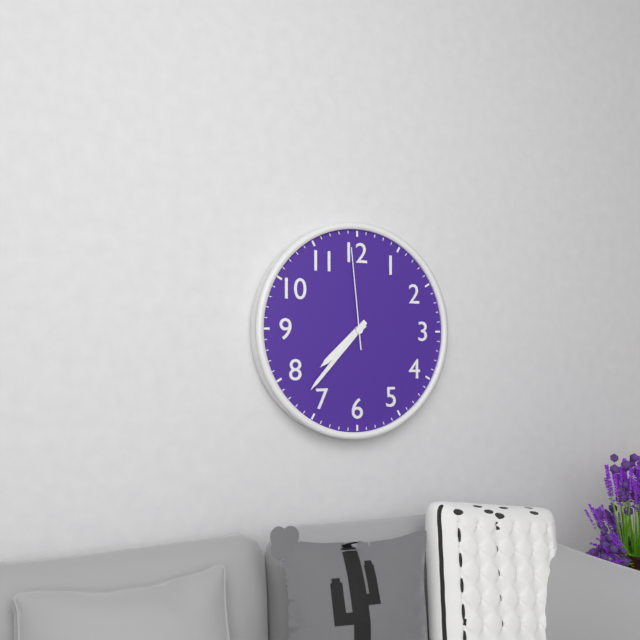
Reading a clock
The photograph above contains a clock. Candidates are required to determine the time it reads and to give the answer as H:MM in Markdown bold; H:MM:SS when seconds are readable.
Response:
**7:37:59**
